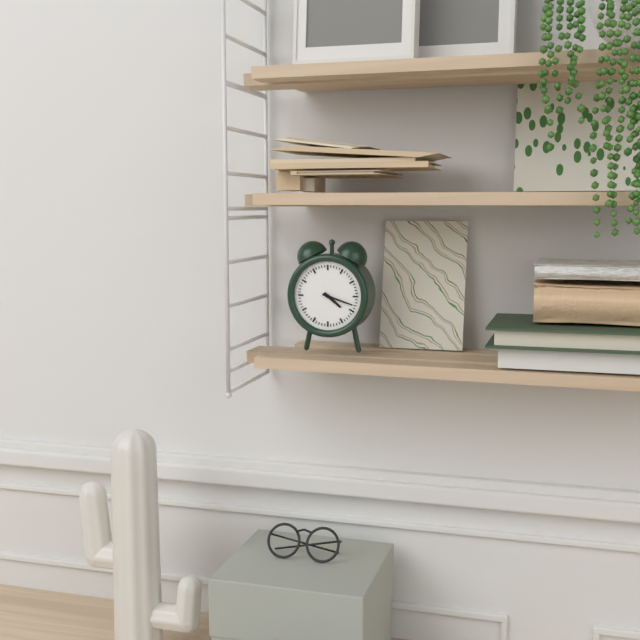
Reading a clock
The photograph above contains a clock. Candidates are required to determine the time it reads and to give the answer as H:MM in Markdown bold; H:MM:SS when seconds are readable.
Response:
**4:18**
